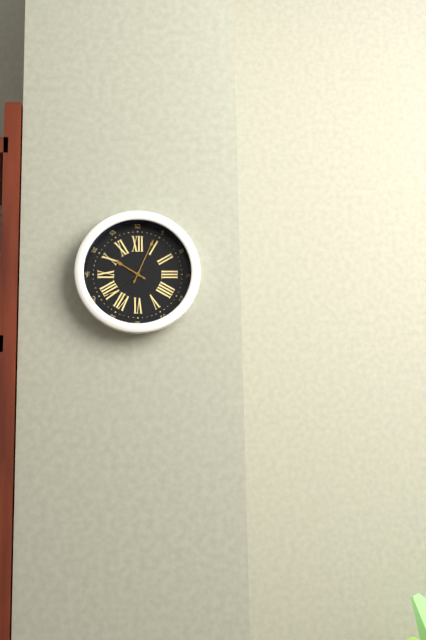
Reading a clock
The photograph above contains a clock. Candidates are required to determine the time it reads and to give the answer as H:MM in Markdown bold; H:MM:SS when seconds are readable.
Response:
**10:04:39**
